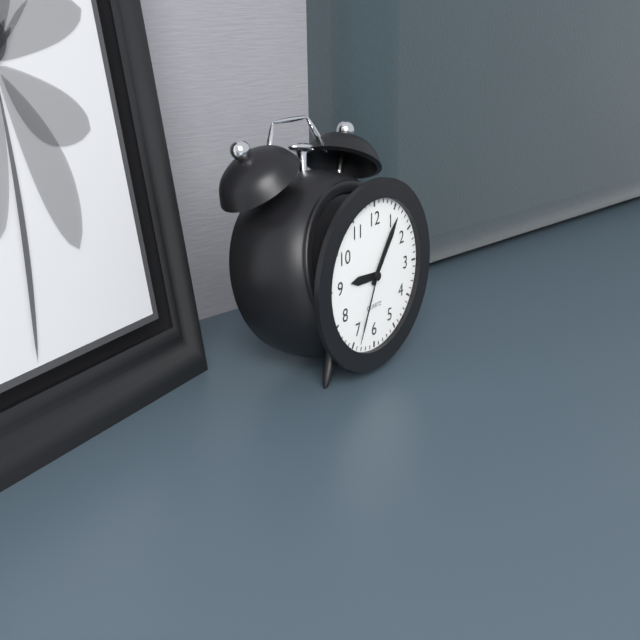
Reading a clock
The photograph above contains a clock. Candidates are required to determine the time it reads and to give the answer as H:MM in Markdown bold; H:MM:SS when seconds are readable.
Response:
**9:06:34**
